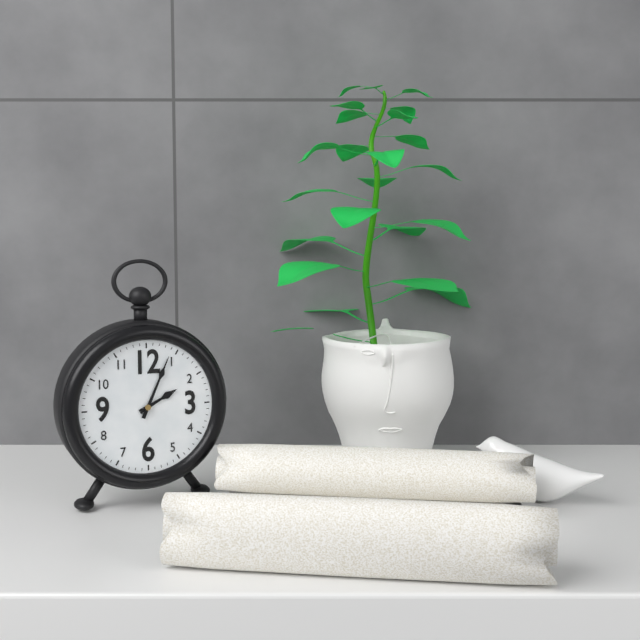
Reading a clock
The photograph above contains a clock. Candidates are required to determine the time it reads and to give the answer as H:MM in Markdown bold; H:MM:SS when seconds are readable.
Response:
**2:04**
